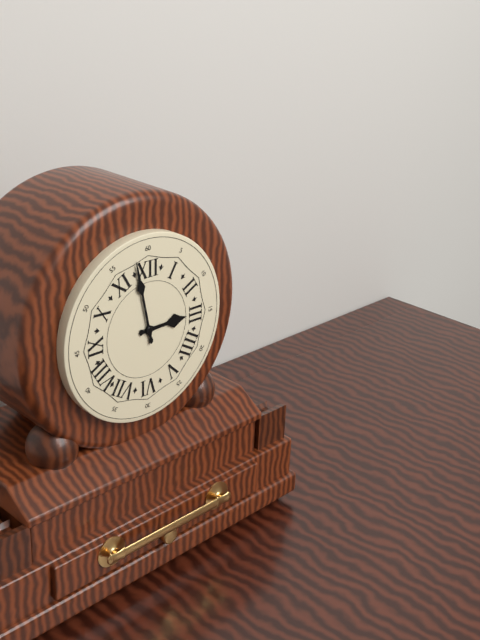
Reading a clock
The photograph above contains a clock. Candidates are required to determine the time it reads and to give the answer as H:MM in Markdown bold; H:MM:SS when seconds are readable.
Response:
**2:58**
